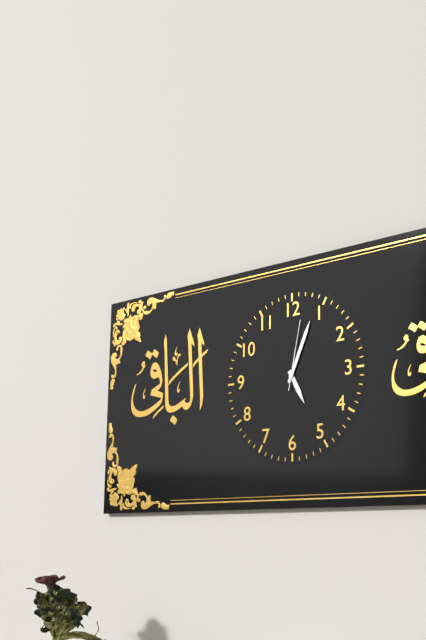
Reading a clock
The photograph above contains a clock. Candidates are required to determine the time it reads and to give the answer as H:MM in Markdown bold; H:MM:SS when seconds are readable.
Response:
**5:04:02**
